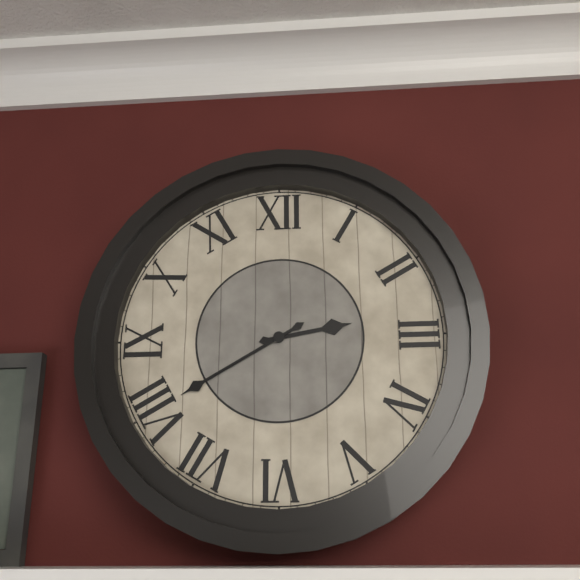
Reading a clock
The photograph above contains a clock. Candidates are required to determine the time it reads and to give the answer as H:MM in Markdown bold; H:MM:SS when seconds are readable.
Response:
**2:40**
